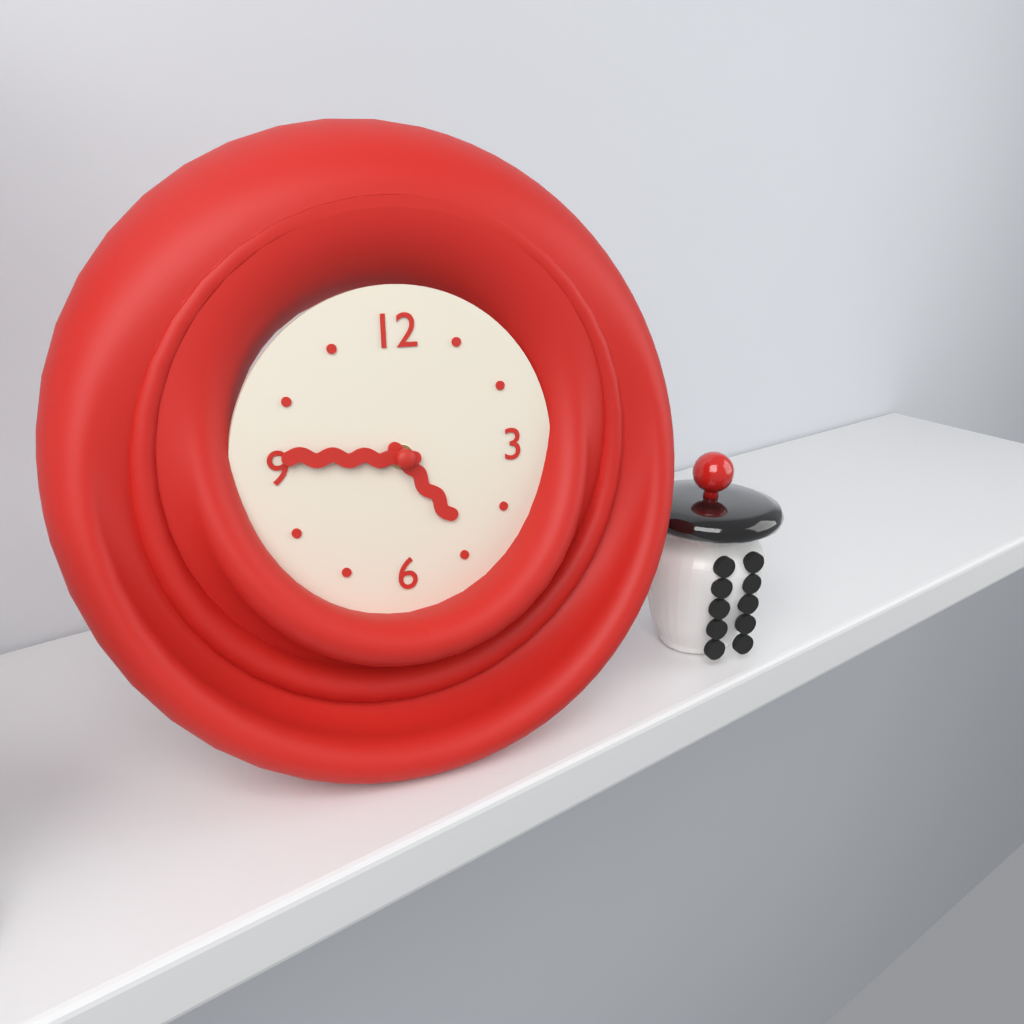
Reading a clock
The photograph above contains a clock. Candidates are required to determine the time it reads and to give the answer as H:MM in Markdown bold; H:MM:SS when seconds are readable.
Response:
**4:46**
